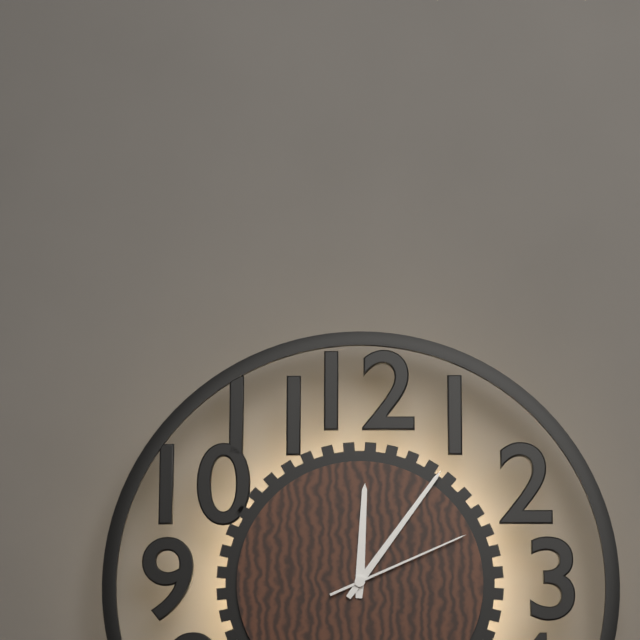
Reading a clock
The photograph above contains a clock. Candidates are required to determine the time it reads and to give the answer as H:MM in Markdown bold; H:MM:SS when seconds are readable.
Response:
**12:06:11**
